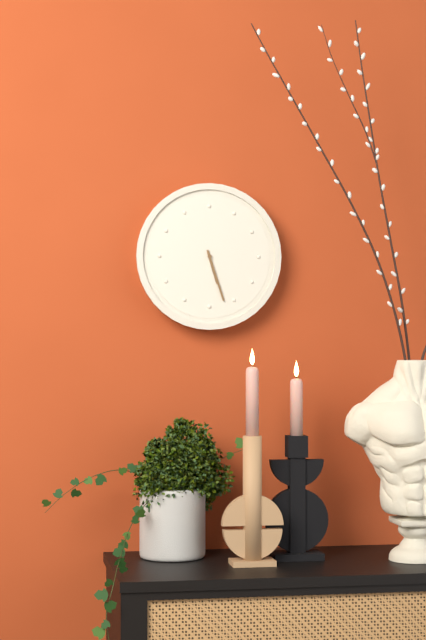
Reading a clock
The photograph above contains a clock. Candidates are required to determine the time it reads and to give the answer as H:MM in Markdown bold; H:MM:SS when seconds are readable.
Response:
**5:27**
